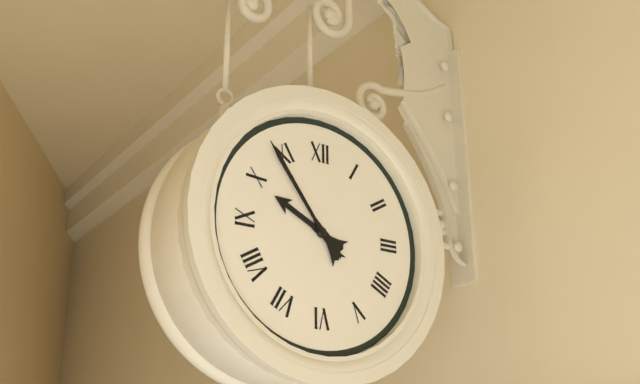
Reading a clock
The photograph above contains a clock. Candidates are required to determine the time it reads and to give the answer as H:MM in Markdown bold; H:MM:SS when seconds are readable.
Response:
**9:54**
